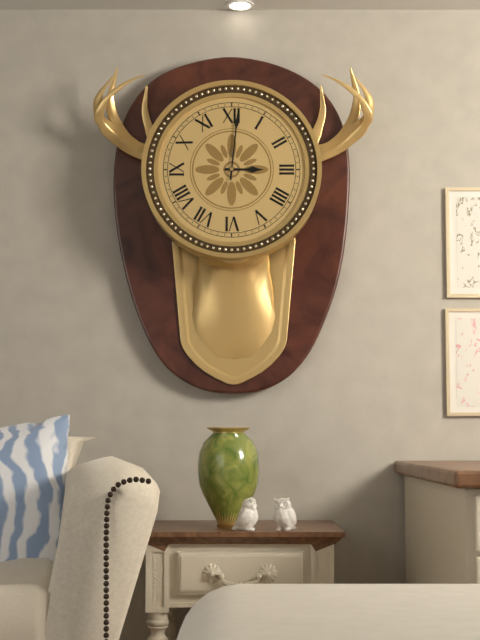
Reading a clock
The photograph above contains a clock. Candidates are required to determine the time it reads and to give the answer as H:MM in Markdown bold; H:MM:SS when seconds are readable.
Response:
**3:01**
